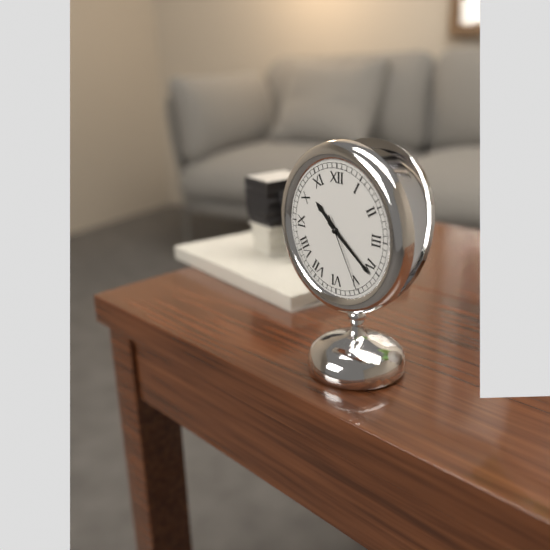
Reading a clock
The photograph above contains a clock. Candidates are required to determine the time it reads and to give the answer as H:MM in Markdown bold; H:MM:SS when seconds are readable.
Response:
**10:21:25**
